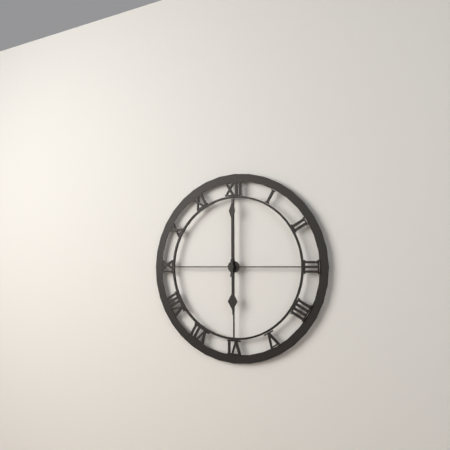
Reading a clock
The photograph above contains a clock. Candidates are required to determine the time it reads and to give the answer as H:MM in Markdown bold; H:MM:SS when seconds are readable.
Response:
**6:00**
